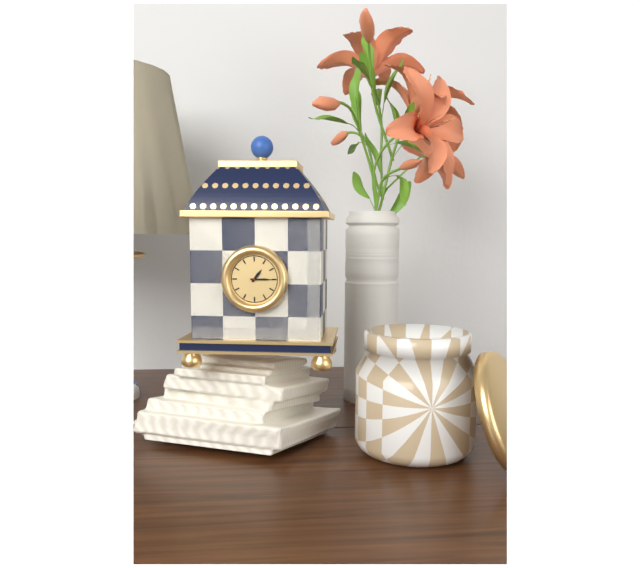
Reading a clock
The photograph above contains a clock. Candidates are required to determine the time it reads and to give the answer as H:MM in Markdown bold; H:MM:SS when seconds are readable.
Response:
**1:15**
